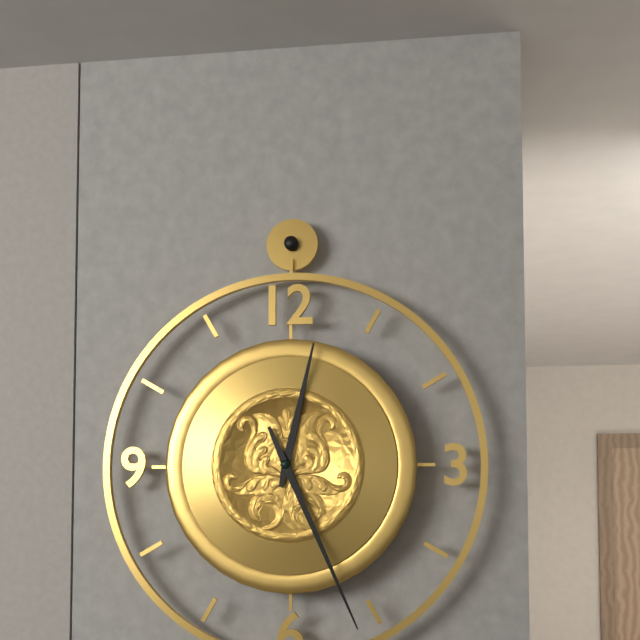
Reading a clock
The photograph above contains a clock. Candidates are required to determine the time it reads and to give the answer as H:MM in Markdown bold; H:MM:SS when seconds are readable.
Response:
**12:26**
